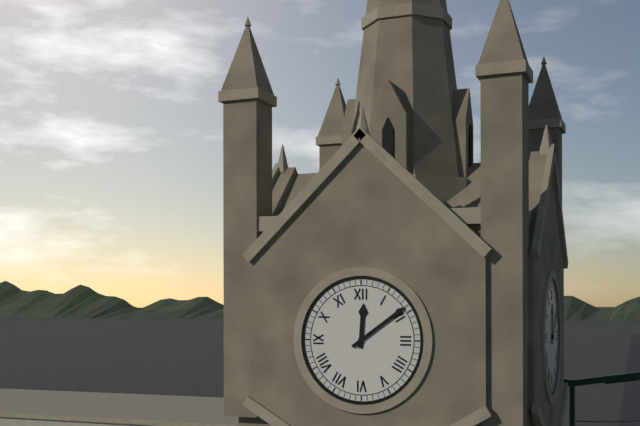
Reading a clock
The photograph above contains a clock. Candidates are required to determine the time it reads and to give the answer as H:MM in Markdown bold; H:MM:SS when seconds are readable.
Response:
**12:09**
